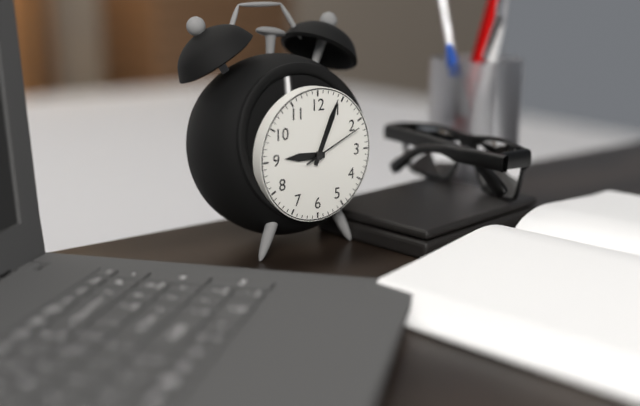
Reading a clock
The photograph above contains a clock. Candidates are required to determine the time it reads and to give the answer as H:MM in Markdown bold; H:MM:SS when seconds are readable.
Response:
**9:04:11**
